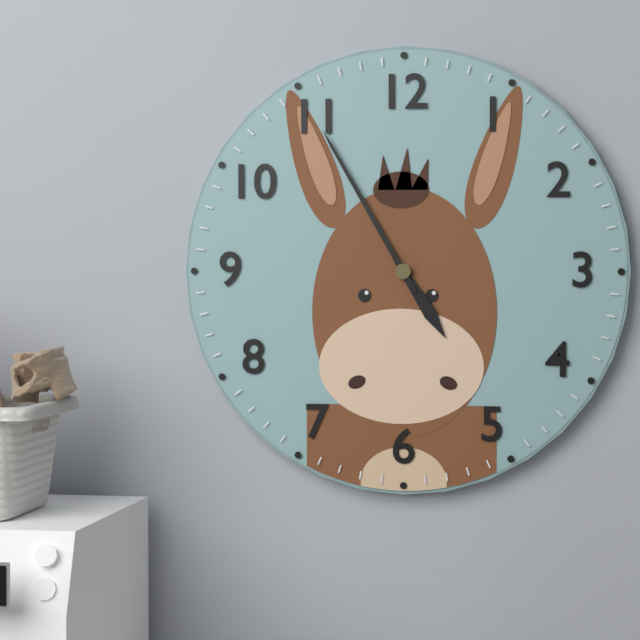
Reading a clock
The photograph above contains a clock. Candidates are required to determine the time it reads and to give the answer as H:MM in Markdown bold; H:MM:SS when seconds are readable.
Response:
**4:55**
